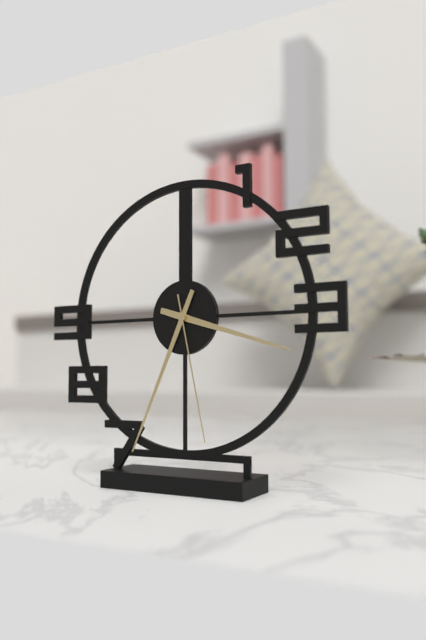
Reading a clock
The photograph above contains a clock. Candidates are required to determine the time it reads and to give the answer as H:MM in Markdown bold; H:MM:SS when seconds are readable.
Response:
**3:34:28**
